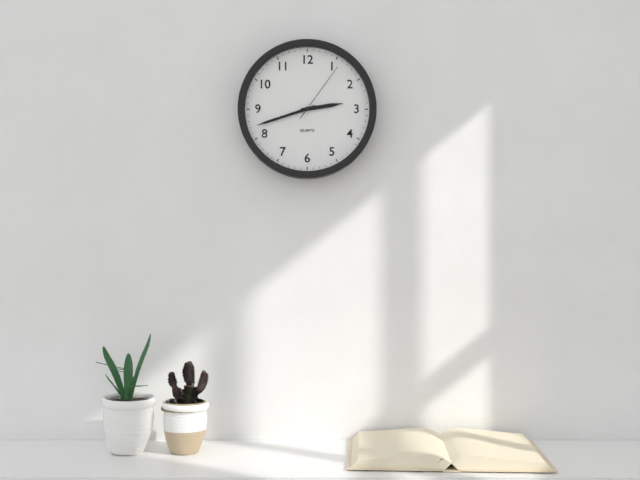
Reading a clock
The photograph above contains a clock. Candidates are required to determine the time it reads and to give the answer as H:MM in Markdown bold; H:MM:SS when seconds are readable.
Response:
**2:42:06**
